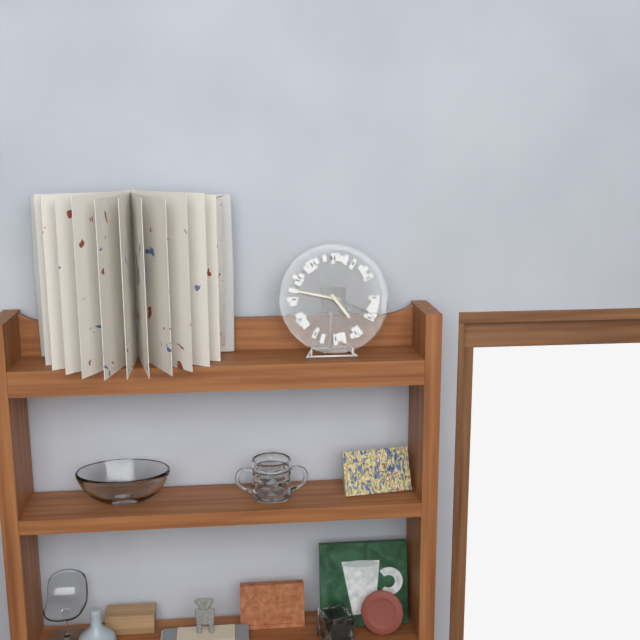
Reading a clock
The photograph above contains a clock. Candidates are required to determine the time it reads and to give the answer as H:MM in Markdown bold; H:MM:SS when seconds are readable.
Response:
**4:47:19**
